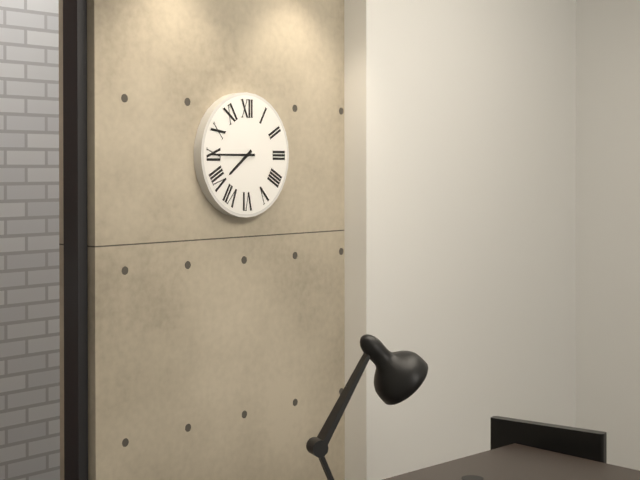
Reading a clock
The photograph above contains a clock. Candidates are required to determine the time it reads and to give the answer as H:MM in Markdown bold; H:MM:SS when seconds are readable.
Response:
**7:45**
